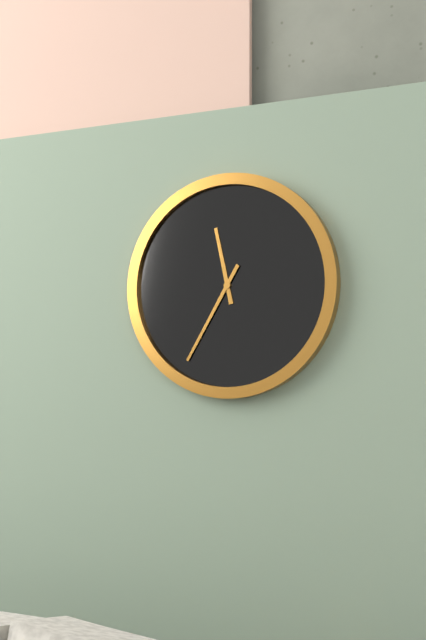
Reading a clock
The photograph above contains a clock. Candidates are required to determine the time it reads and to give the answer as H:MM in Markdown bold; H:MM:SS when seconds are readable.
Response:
**11:35**
